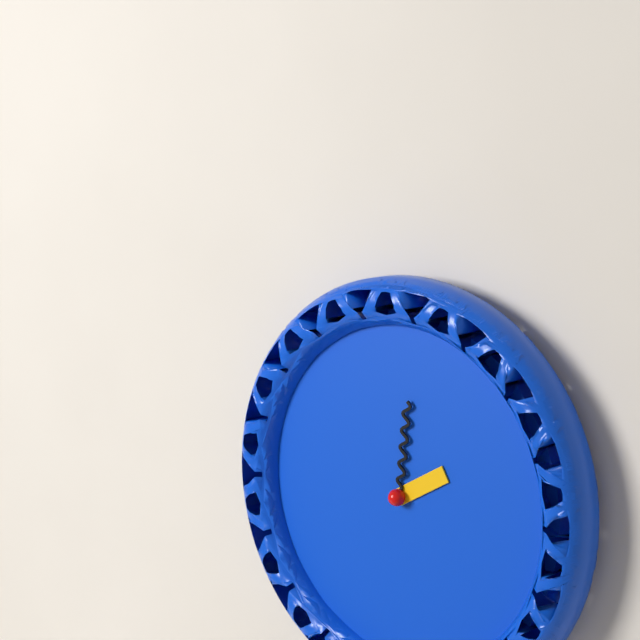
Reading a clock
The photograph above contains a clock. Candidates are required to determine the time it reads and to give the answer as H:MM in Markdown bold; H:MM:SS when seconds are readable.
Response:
**2:01**
